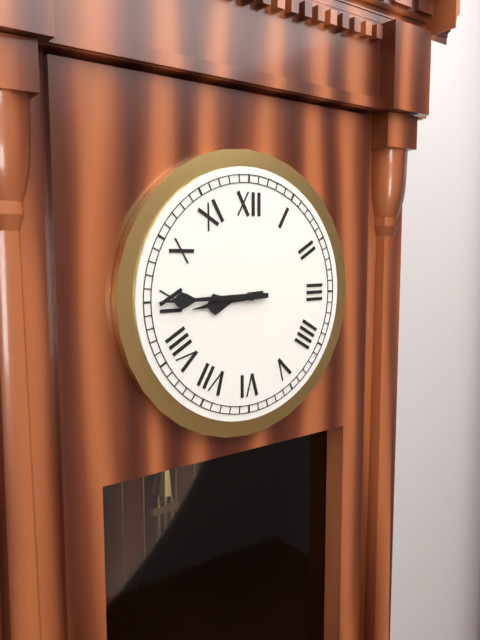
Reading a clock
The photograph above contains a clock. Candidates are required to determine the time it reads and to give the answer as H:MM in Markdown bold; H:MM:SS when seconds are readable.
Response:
**8:45**
